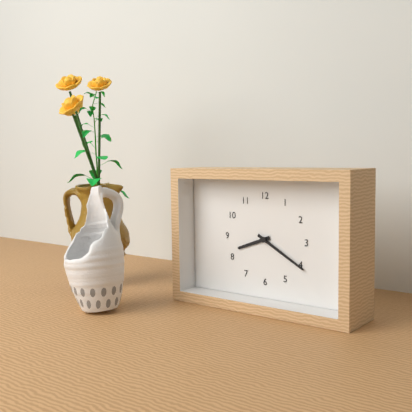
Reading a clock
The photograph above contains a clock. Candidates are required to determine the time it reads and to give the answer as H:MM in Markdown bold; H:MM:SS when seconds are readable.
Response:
**8:20**
